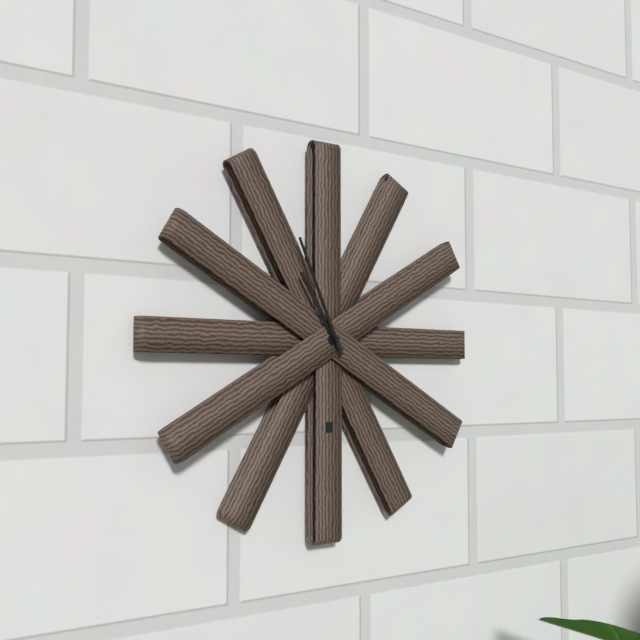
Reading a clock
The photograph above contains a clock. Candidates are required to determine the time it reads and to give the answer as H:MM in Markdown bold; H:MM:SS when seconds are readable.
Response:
**10:56**
